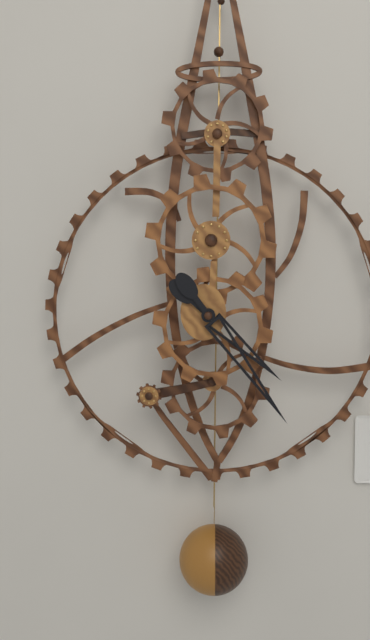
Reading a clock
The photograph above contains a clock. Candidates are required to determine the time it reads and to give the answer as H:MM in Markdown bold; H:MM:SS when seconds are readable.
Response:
**4:24**
